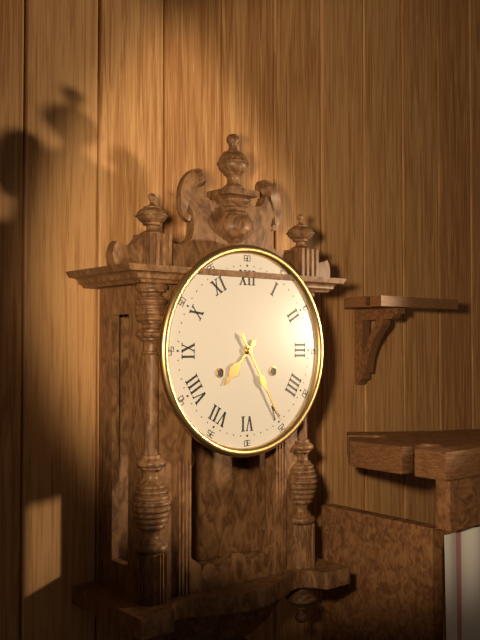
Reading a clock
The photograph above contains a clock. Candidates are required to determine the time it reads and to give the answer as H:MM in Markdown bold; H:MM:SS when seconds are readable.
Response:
**7:25**
